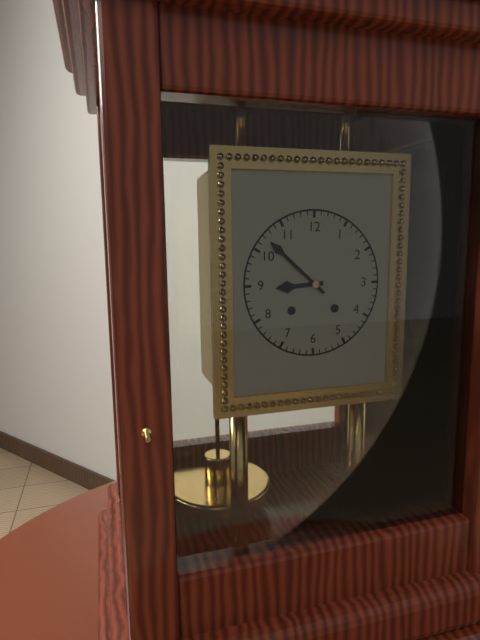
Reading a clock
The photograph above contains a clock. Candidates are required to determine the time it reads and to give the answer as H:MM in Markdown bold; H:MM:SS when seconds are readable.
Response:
**8:52**
